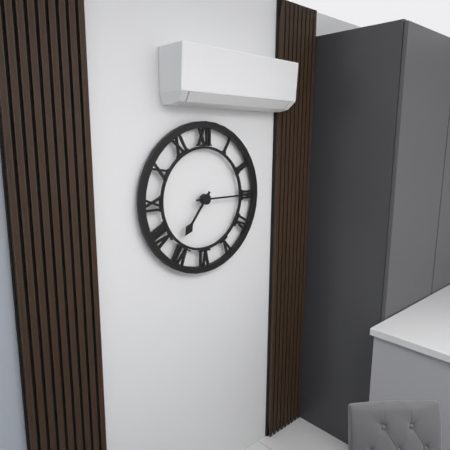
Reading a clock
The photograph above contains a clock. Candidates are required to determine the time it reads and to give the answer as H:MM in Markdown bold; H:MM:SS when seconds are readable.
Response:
**7:15**
